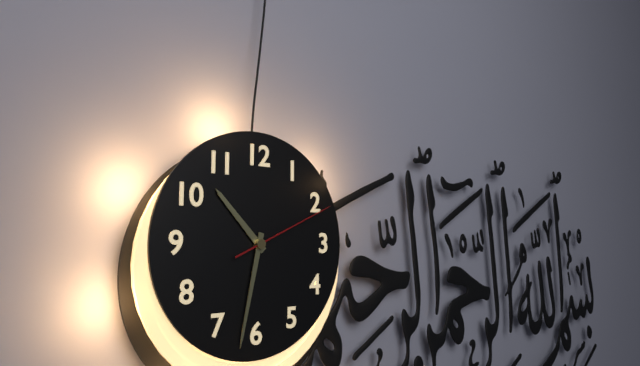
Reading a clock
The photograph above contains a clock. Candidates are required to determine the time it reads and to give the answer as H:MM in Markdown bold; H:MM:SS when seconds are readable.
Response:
**10:32:11**
